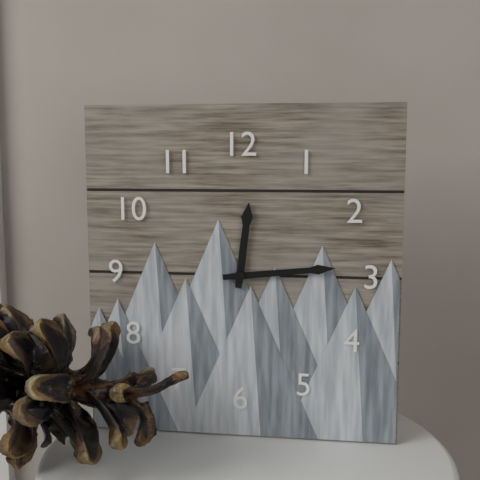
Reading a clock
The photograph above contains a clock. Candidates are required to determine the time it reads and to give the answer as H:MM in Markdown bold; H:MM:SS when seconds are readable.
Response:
**12:14**
